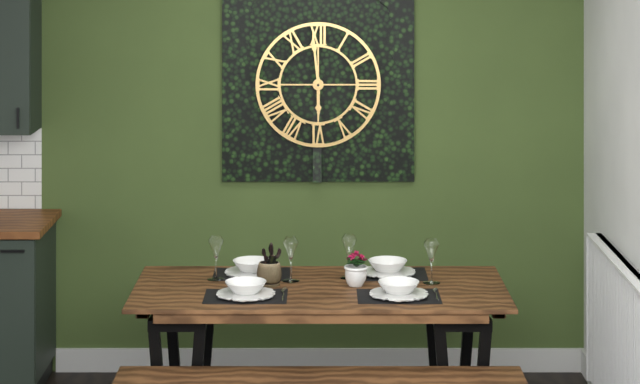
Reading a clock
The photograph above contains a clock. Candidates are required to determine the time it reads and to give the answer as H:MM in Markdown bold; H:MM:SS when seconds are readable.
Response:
**5:59**
